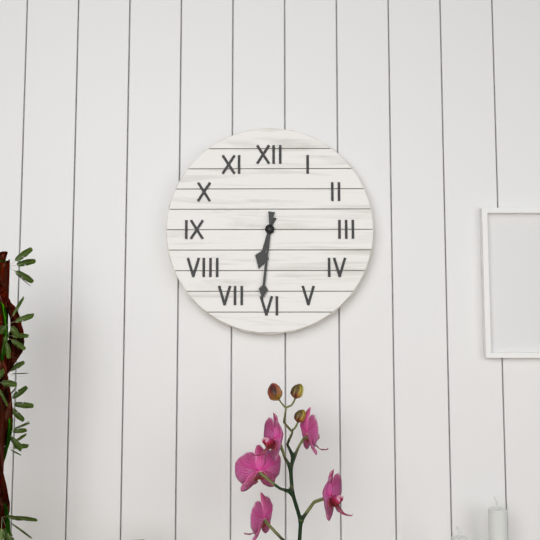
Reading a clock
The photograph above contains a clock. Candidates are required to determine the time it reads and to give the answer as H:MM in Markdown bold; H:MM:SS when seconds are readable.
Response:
**6:31**
